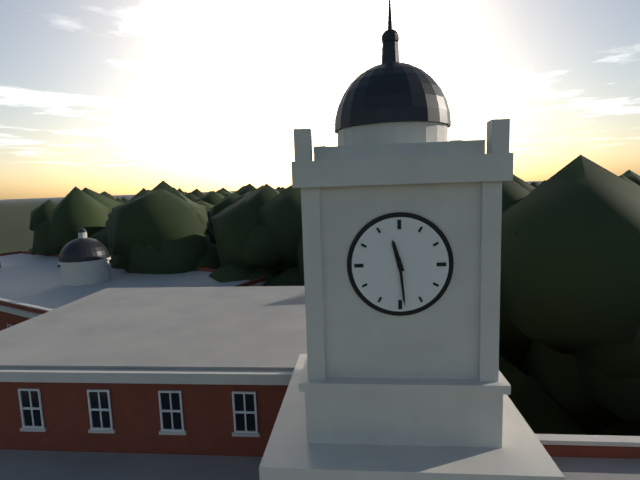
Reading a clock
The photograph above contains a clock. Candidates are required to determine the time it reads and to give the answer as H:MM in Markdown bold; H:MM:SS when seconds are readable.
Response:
**11:29**
